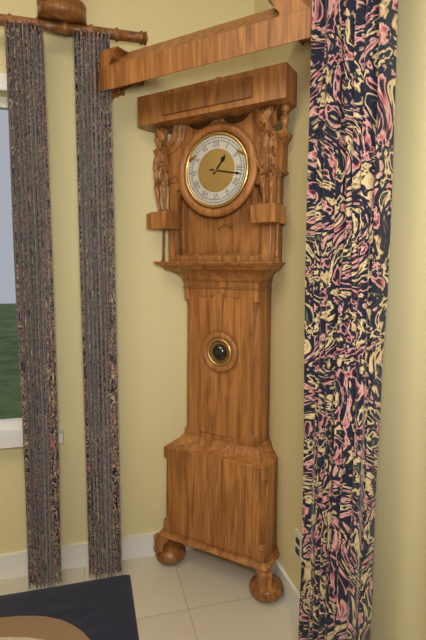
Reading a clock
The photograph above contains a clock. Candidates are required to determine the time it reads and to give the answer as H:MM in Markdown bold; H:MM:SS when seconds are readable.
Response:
**1:17**
